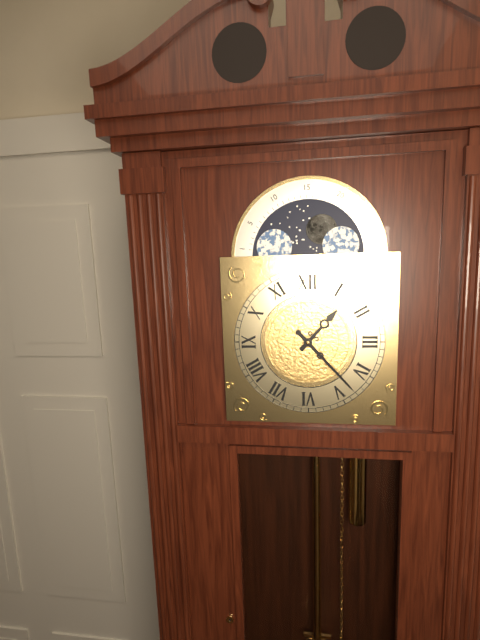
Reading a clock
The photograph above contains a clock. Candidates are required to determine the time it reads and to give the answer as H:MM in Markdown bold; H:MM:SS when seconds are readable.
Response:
**1:23**
